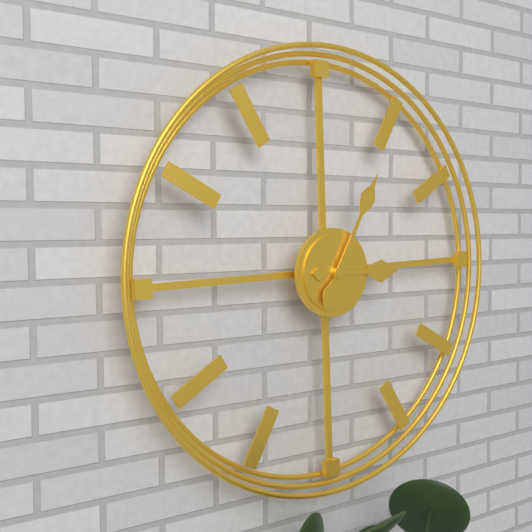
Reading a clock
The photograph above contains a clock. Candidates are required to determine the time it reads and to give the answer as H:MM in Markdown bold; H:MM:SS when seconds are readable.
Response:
**3:05**
